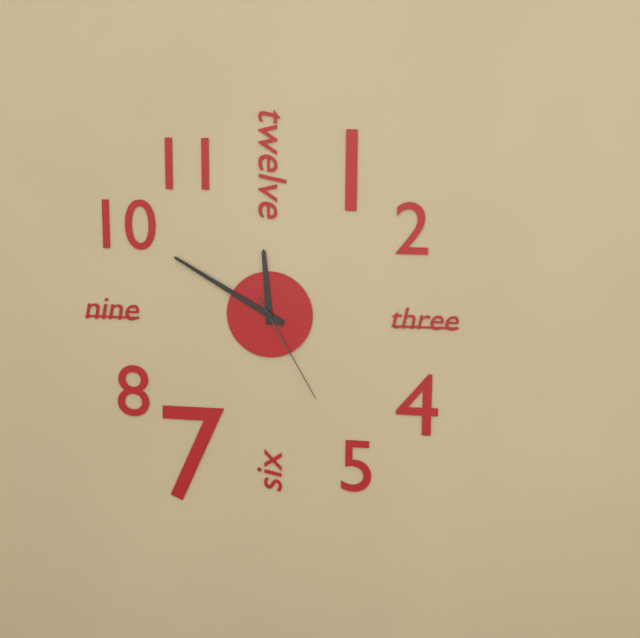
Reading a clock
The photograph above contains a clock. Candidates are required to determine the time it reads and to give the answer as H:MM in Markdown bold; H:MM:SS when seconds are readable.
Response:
**11:50:25**
